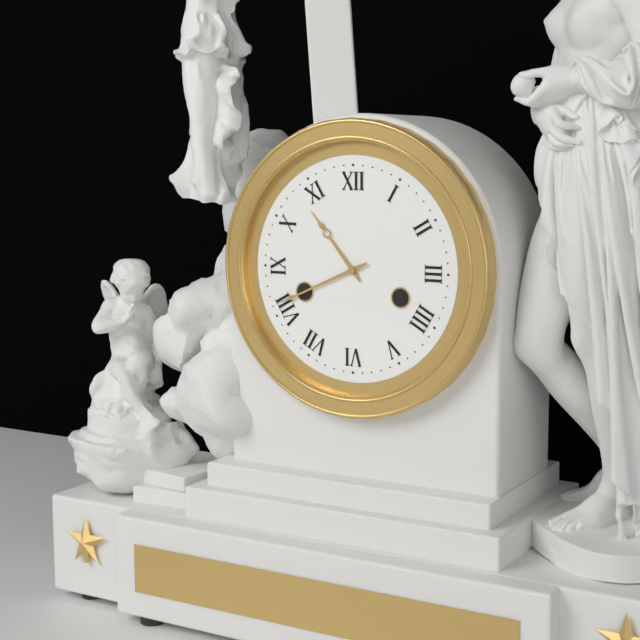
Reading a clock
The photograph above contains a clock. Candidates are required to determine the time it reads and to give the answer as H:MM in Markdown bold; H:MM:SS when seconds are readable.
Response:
**10:41**
